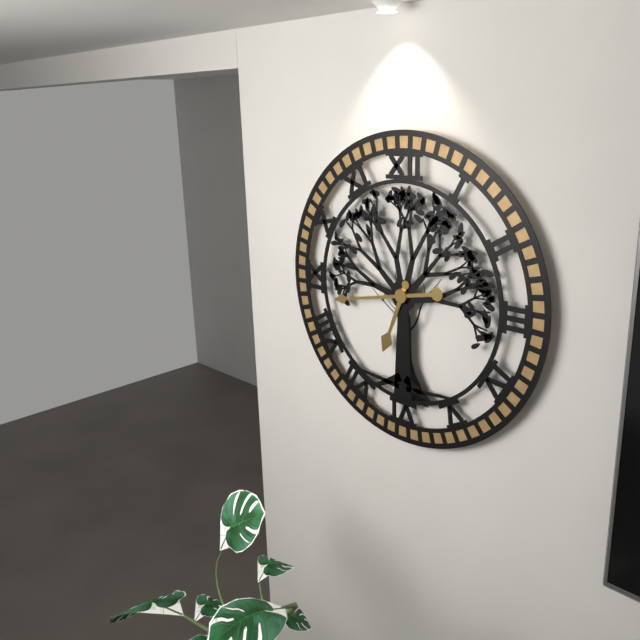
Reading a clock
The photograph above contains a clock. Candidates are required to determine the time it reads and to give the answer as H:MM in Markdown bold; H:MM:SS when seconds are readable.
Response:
**6:43**
